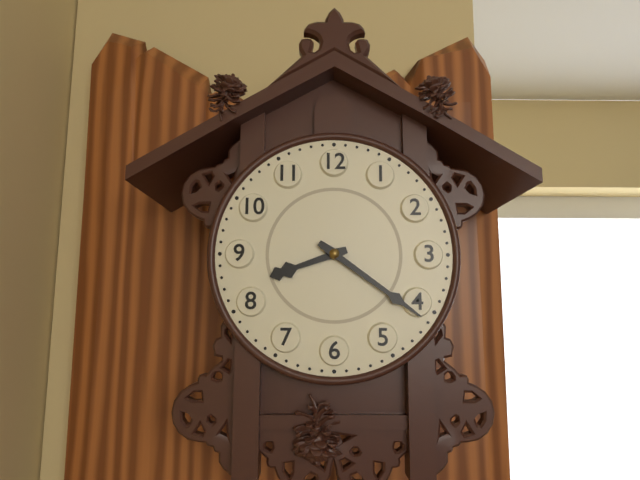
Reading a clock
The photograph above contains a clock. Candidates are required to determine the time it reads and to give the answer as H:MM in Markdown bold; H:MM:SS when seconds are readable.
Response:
**8:21**
